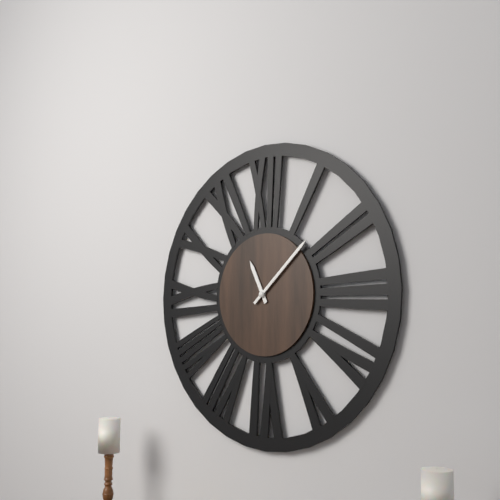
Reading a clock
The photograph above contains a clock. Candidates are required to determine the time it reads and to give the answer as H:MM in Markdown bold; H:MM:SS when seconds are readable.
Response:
**11:08**
